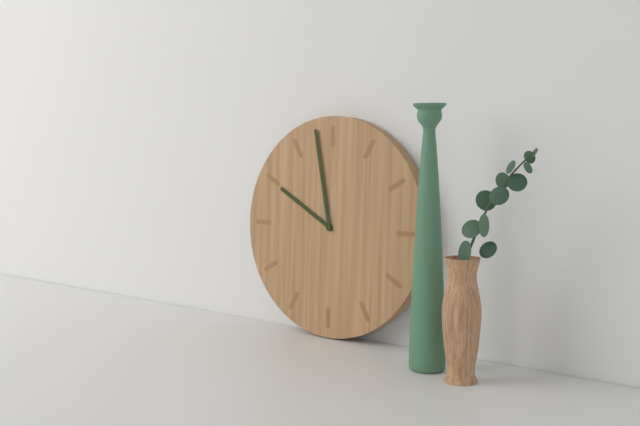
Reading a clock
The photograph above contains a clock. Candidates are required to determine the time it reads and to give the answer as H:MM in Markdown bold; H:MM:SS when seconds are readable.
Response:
**9:58**
